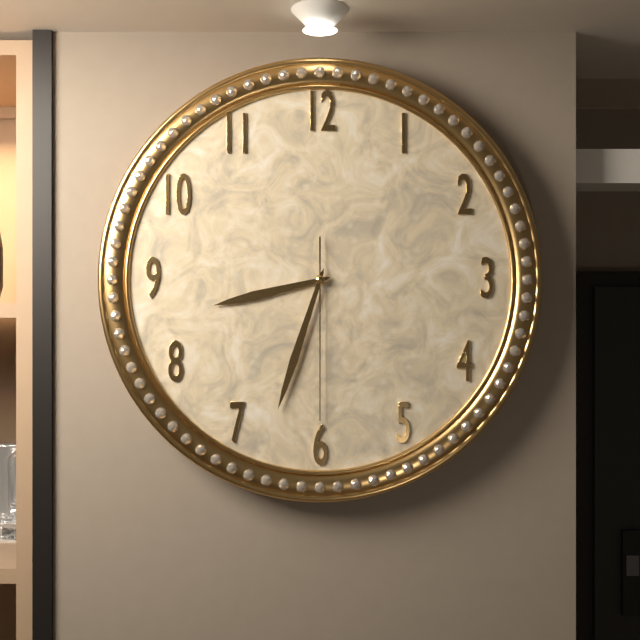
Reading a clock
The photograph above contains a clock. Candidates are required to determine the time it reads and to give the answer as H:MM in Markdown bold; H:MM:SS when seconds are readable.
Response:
**8:33:30**
